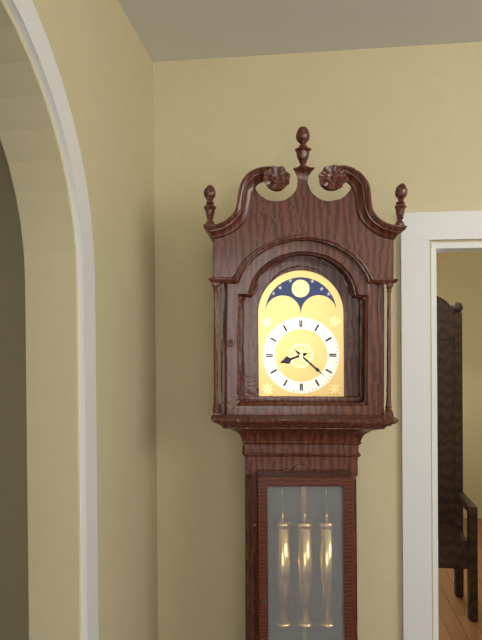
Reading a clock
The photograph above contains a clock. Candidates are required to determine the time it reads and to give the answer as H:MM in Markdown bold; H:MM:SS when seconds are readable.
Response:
**8:22**
